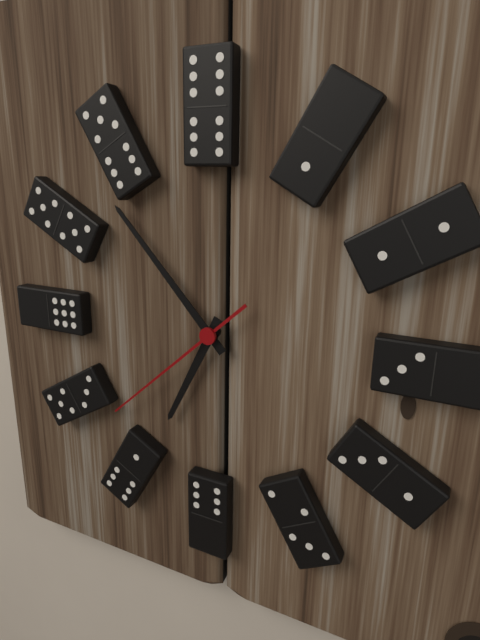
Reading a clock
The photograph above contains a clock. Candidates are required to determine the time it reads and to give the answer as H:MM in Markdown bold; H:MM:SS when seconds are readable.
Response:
**6:53:38**
